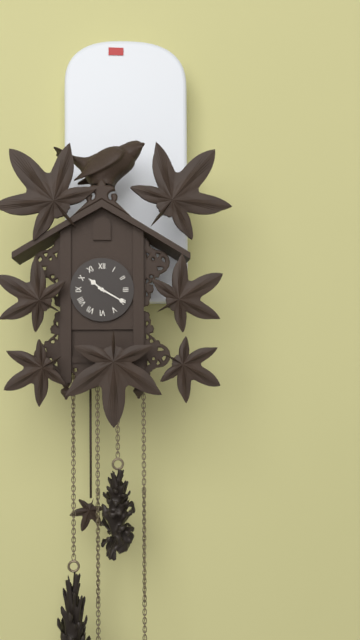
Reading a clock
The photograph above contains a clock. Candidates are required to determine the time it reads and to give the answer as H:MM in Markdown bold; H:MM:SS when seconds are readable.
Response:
**10:20**
